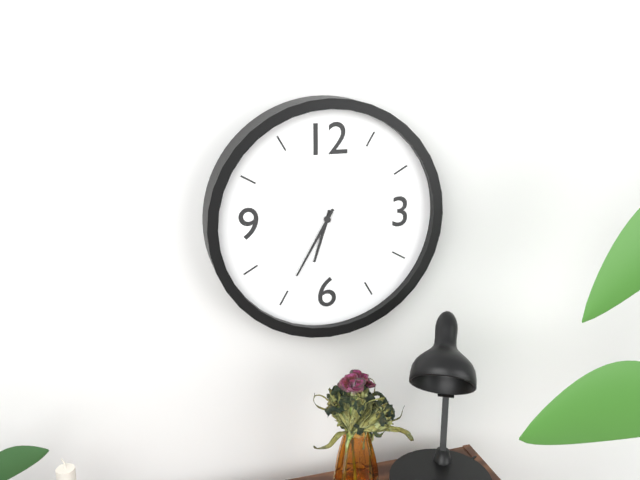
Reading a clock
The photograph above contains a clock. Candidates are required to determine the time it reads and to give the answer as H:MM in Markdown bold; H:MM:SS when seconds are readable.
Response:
**6:35**
